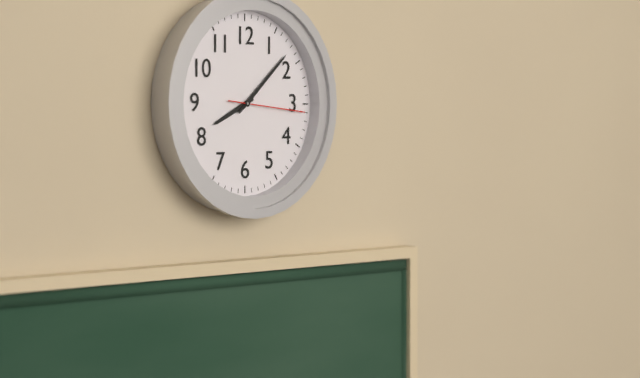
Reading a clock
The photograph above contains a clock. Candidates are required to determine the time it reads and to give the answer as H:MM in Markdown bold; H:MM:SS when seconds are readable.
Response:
**8:08:16**
